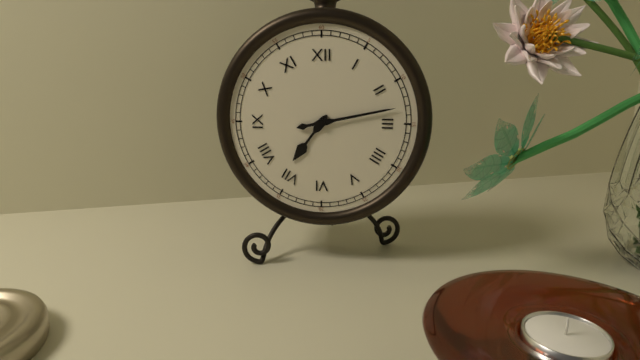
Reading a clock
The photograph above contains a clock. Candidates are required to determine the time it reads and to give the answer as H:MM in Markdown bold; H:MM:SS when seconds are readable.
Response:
**7:13**
